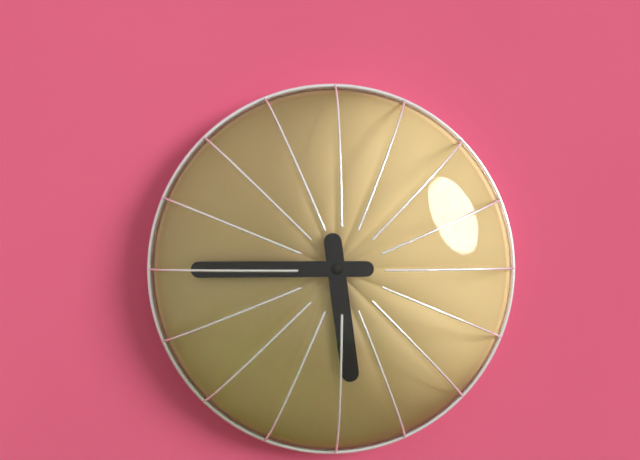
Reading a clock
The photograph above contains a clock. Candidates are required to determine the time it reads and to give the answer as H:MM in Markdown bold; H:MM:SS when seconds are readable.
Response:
**5:45**
